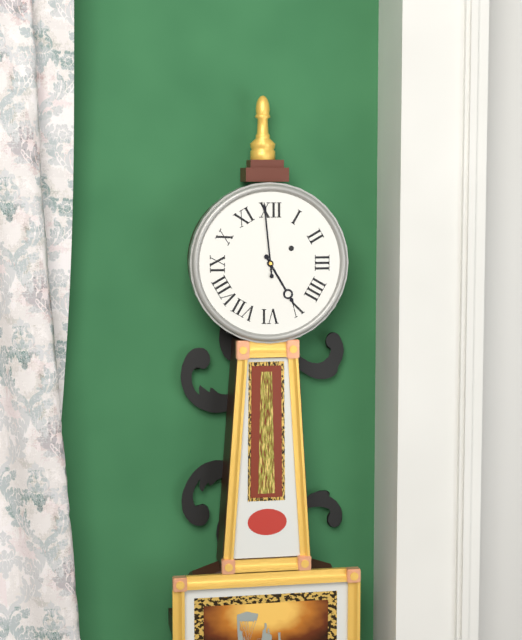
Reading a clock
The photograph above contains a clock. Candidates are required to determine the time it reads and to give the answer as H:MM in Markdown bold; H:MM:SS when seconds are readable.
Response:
**4:59**
